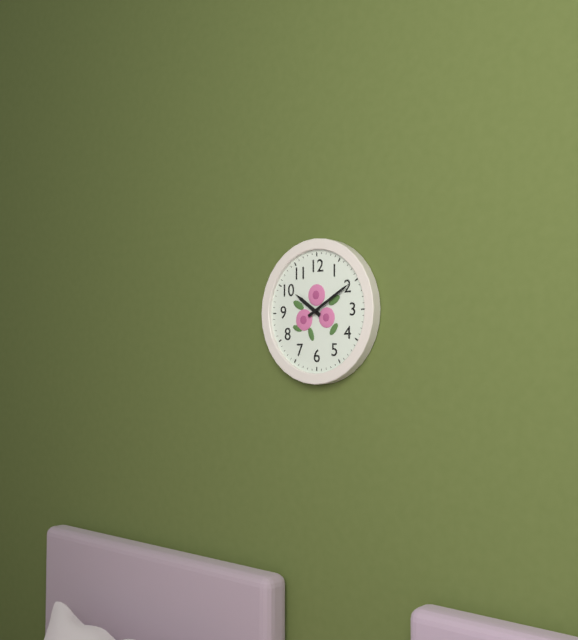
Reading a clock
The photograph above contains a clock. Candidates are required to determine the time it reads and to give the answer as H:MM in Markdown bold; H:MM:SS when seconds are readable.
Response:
**10:10**
